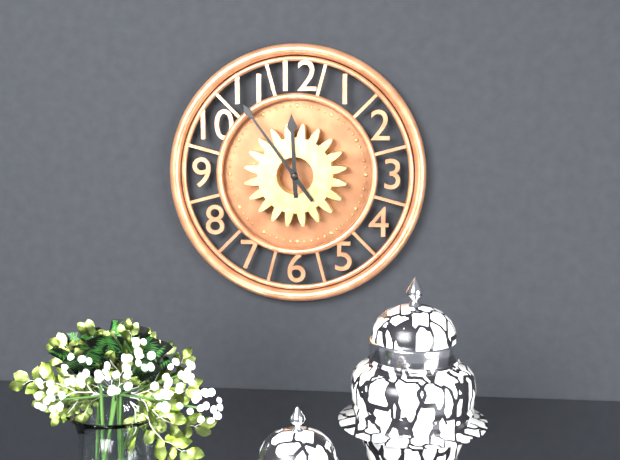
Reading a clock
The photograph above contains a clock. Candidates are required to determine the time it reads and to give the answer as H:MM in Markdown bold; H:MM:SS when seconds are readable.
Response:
**11:54**
